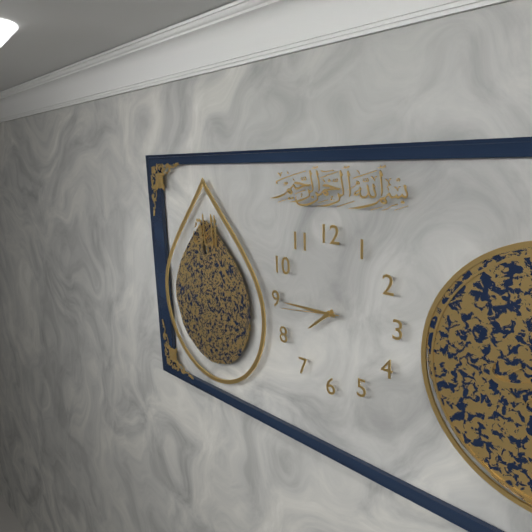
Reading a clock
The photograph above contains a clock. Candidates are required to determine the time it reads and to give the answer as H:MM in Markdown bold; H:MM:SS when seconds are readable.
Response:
**7:45:44**
